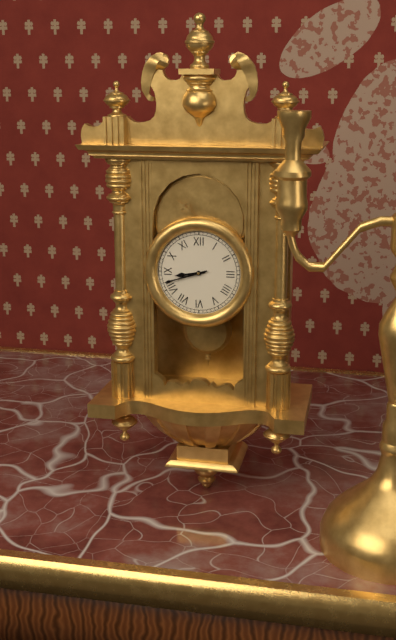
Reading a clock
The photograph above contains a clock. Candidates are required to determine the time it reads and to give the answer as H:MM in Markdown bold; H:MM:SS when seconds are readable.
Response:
**8:42**
